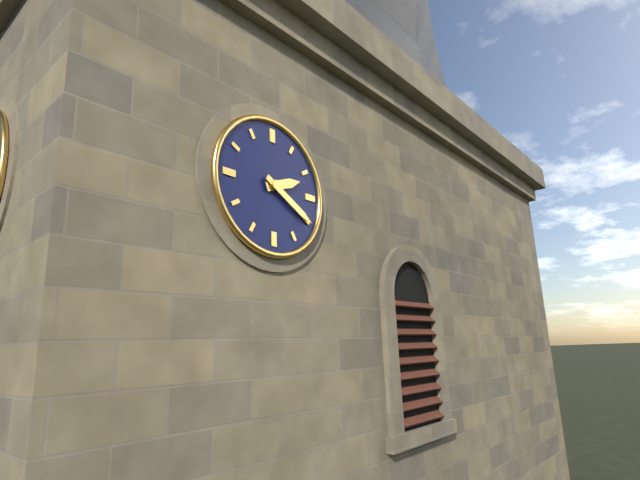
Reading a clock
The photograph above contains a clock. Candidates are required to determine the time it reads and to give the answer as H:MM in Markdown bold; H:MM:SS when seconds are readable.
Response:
**2:20**
